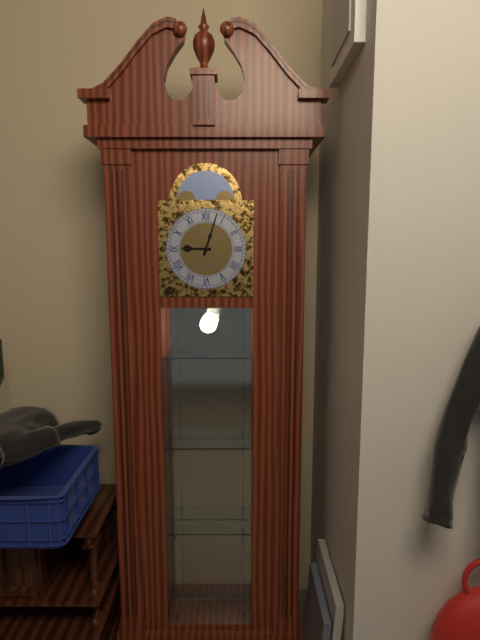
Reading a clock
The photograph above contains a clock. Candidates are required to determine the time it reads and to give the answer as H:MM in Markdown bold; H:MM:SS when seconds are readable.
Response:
**9:03**
